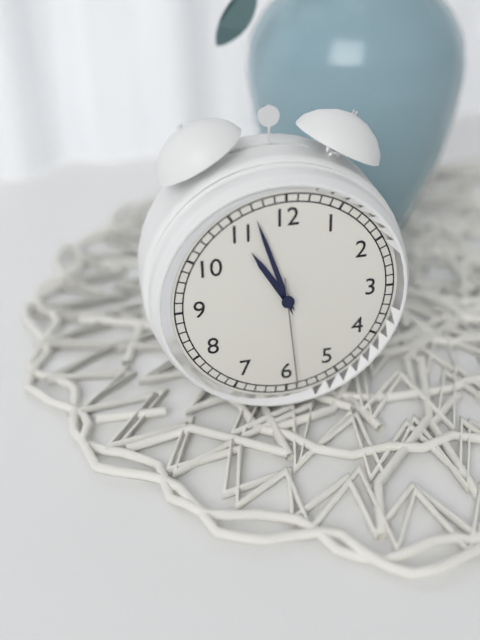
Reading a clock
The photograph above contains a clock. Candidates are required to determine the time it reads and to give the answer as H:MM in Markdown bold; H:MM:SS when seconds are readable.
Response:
**10:57:29**
